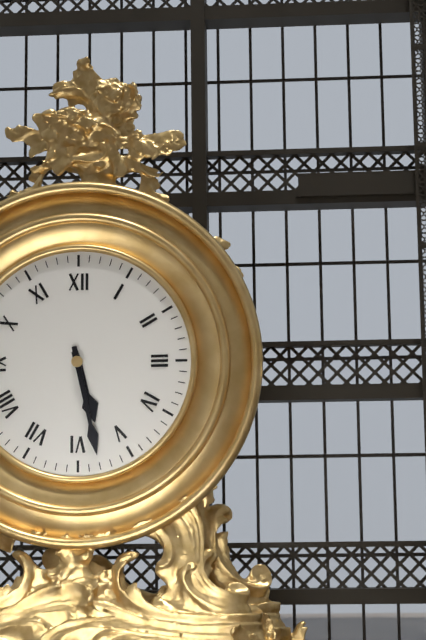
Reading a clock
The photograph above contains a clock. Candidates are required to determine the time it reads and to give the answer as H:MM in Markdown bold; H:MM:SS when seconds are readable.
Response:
**5:28**
